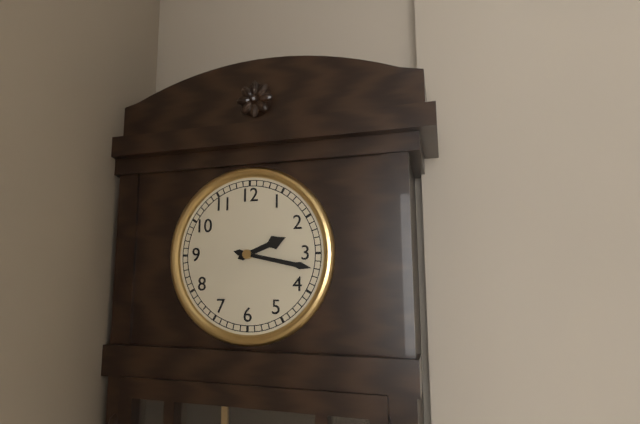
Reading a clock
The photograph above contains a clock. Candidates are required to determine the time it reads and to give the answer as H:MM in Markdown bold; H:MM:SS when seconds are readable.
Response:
**2:17**
